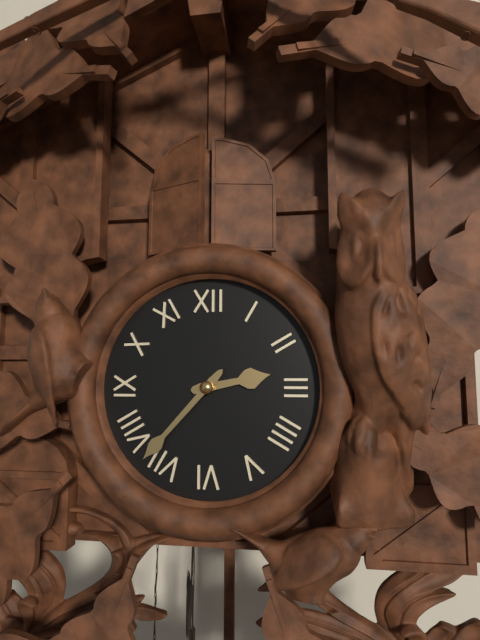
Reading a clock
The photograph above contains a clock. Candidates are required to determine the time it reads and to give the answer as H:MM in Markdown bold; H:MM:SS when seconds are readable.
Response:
**2:37**
